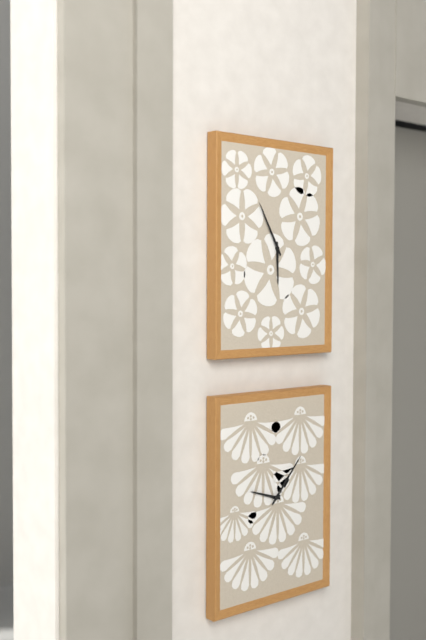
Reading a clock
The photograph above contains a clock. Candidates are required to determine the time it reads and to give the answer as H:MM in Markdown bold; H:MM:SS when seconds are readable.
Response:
**5:55**
